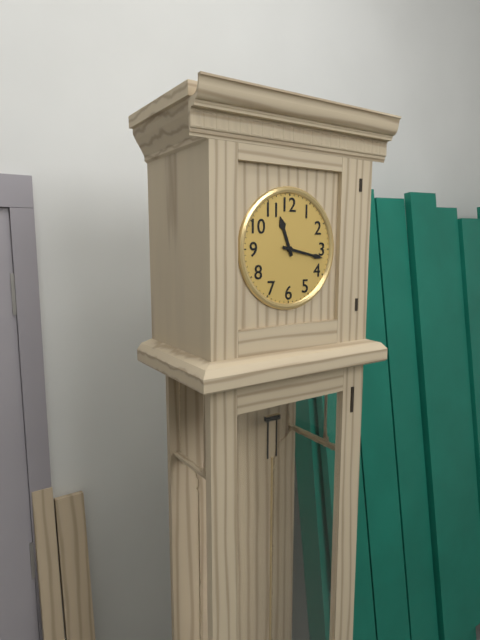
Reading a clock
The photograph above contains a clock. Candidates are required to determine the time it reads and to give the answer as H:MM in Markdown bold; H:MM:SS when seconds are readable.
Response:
**11:17**
